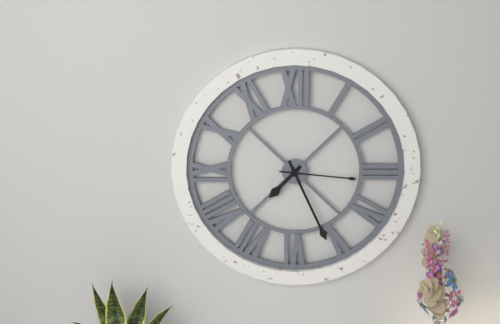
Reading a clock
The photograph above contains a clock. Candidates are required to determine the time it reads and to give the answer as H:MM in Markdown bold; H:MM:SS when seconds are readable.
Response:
**7:26:16**
